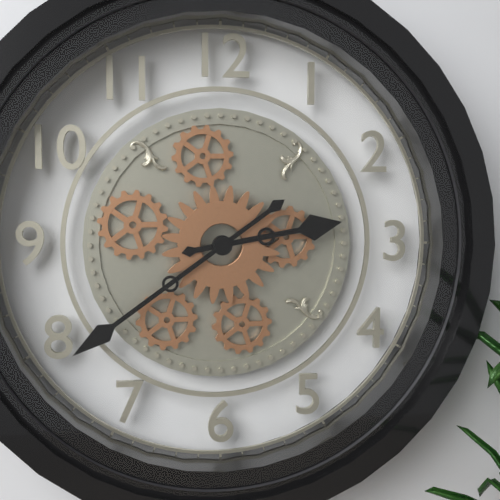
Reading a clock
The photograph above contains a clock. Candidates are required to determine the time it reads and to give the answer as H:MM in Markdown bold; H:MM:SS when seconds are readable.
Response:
**2:39**
